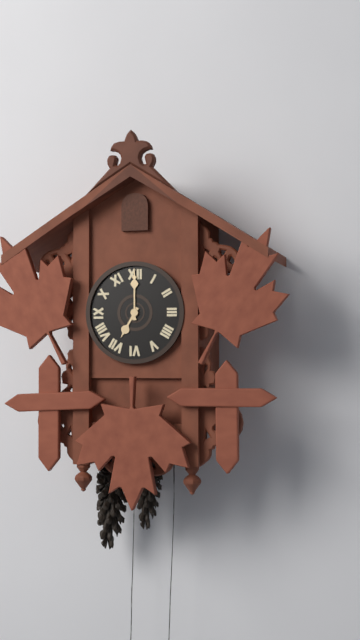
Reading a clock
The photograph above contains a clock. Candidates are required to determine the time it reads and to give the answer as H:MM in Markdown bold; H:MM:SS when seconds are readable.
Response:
**7:00**
